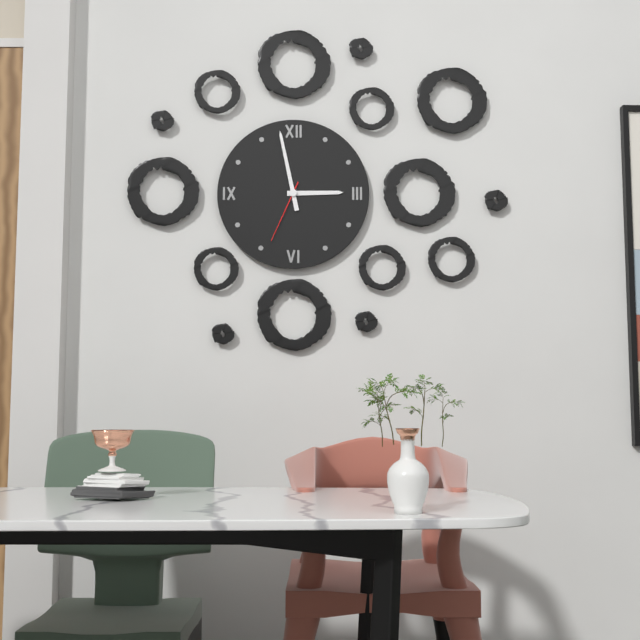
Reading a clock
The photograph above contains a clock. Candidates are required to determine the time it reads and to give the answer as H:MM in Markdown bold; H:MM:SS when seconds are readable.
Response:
**2:58:34**
